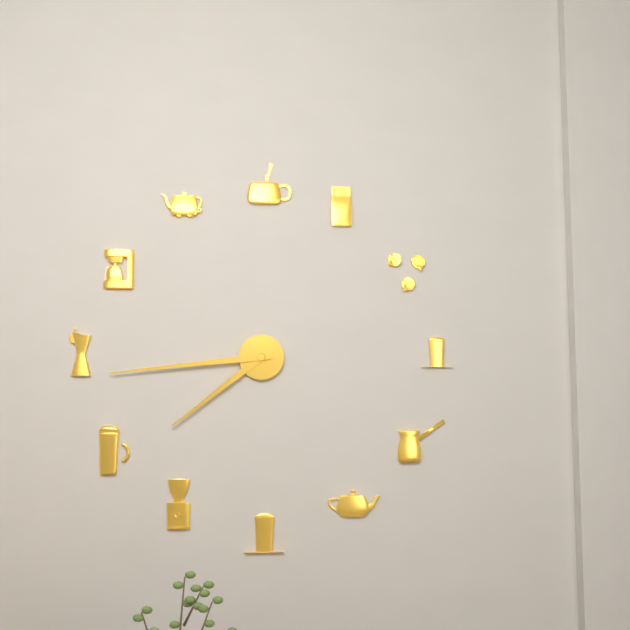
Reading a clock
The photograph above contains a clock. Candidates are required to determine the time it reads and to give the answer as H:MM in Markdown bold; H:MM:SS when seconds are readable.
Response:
**7:44**
